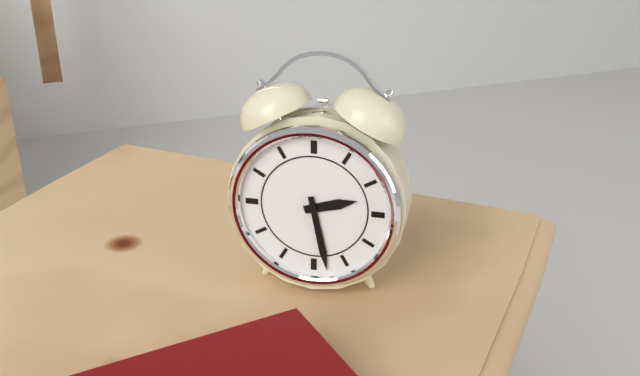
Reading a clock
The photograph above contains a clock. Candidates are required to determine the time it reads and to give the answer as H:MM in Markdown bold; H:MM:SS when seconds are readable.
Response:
**2:28**
